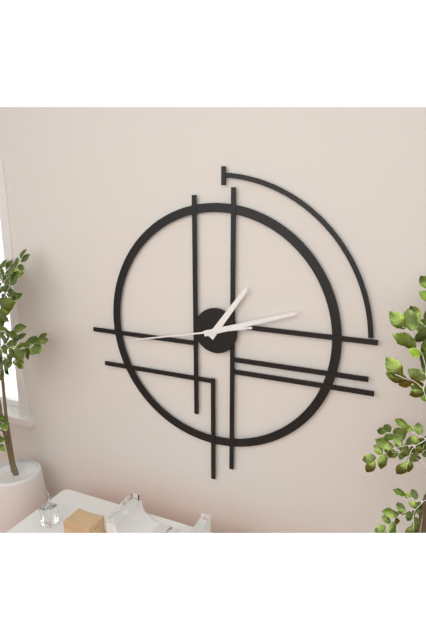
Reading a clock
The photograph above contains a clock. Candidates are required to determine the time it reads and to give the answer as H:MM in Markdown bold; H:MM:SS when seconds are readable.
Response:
**1:12:43**
